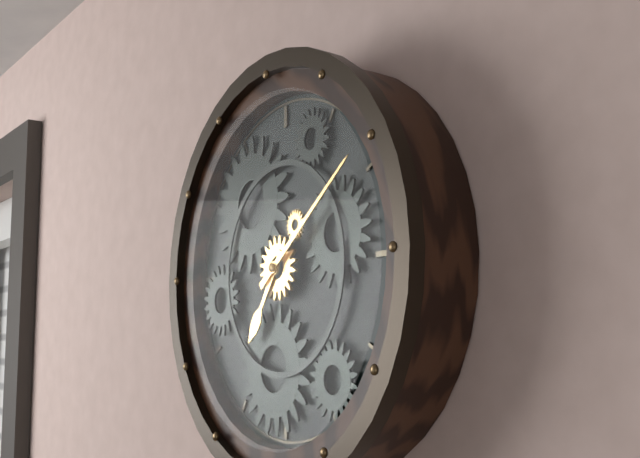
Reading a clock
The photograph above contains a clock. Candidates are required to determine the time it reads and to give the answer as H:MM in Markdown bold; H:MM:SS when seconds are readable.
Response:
**7:09**
